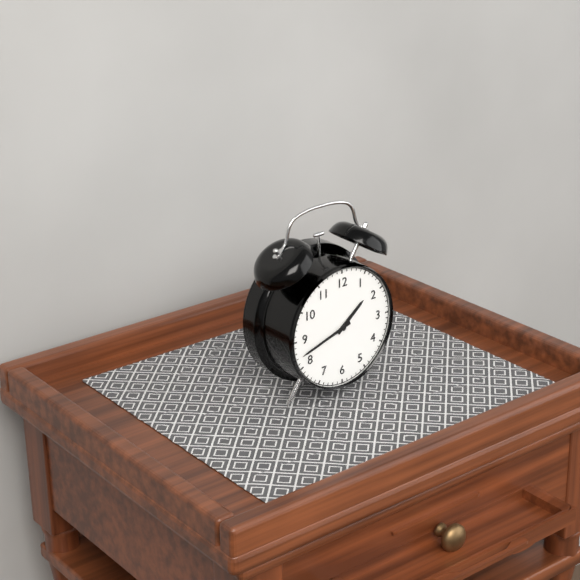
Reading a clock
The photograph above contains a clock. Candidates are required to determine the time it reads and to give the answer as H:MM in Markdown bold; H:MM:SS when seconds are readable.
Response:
**1:42**
